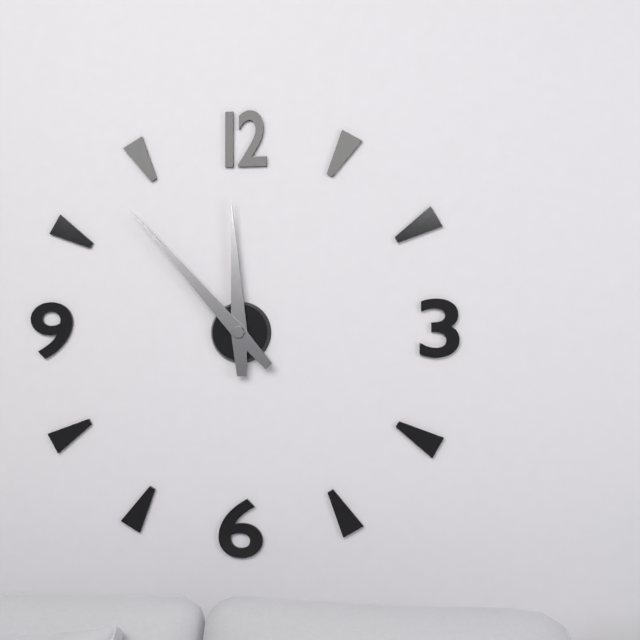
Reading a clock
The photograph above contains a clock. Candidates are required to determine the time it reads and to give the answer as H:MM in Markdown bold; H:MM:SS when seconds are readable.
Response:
**11:53**
